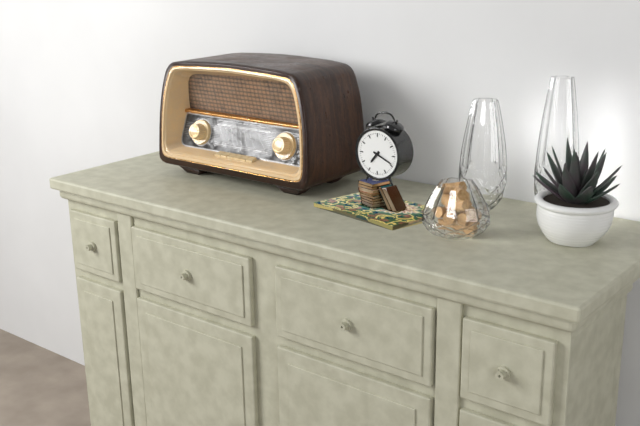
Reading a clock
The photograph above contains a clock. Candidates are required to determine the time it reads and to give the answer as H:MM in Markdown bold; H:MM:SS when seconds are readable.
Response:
**7:19**
